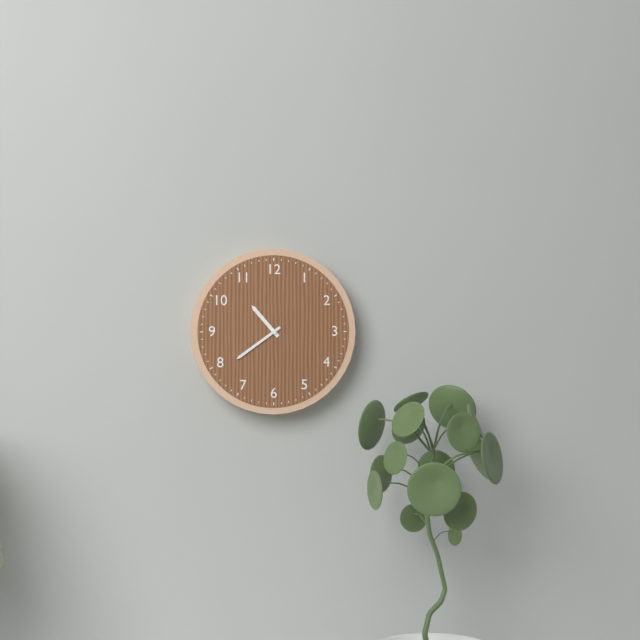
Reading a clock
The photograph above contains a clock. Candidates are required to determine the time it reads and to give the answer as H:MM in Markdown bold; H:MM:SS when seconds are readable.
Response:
**10:39**
